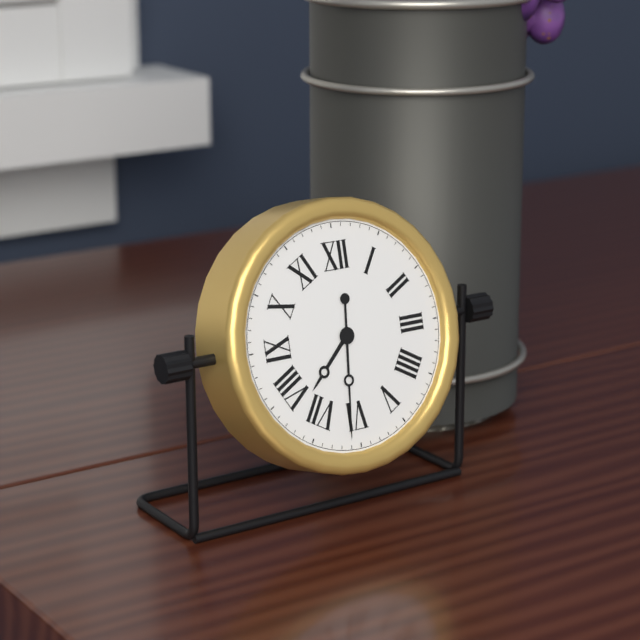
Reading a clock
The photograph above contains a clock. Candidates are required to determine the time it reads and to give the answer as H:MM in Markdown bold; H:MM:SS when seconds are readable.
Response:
**7:31**
